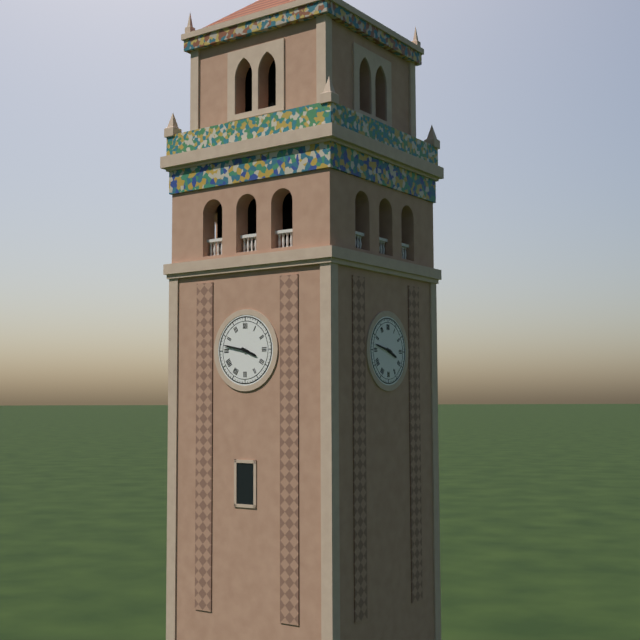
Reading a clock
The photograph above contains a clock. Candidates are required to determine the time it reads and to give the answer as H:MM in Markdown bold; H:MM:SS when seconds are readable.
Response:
**3:47**
